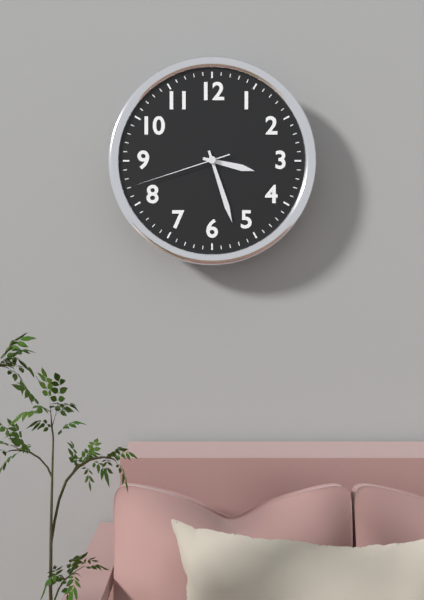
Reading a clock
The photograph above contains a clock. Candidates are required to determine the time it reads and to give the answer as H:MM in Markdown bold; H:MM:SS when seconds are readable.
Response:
**3:27:42**
